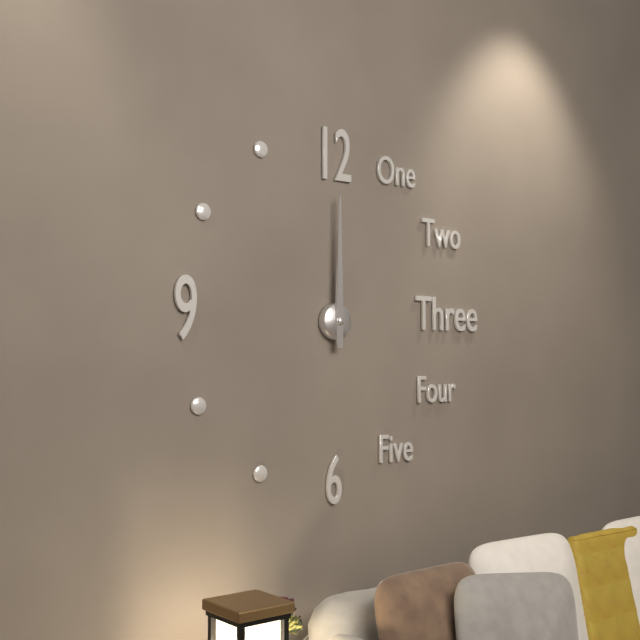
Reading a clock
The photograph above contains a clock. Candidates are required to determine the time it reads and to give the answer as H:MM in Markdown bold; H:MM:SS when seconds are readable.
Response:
**12:00**
